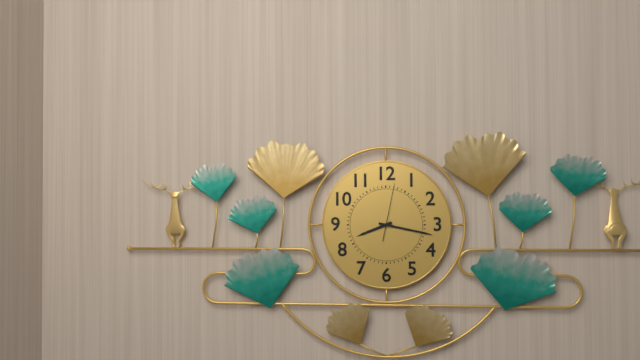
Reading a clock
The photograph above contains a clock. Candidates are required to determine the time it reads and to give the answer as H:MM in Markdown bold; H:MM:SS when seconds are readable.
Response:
**8:17:02**
